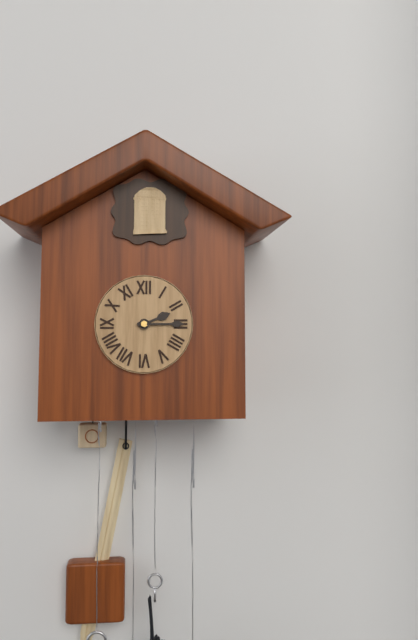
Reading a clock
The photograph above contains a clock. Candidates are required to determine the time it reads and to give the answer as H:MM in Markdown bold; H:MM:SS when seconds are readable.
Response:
**2:15**
